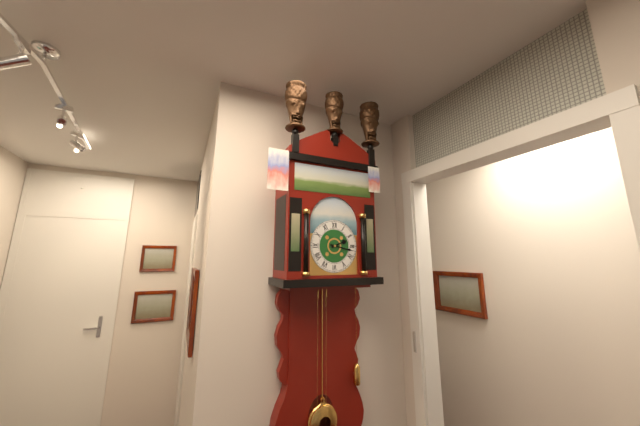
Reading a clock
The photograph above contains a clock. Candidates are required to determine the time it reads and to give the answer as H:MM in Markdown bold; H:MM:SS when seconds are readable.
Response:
**2:17**
